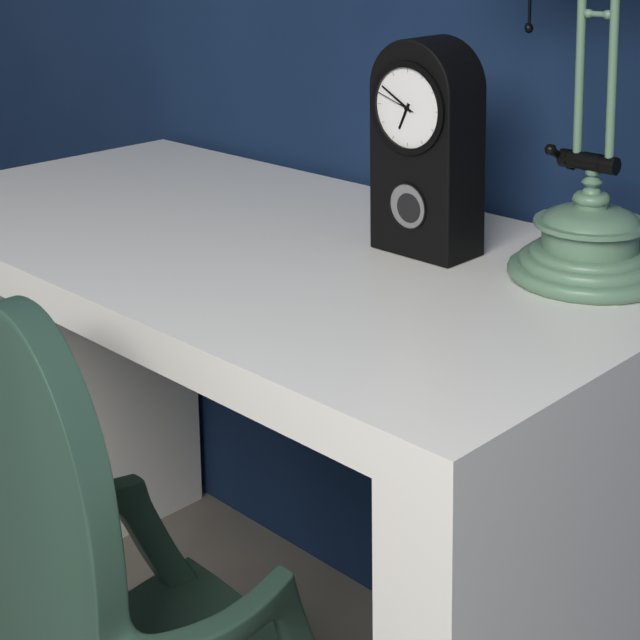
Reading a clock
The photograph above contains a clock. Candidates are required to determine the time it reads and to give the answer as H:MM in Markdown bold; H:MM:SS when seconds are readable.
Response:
**6:50**
